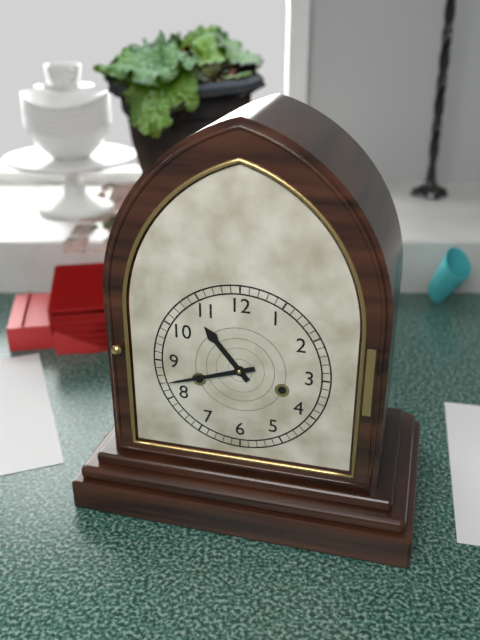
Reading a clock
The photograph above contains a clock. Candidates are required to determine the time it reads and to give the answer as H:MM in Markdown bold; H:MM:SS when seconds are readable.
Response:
**10:42**
